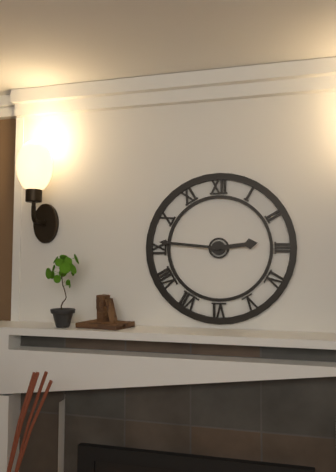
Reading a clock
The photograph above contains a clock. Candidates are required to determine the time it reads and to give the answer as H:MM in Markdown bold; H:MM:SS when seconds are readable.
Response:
**2:46**
